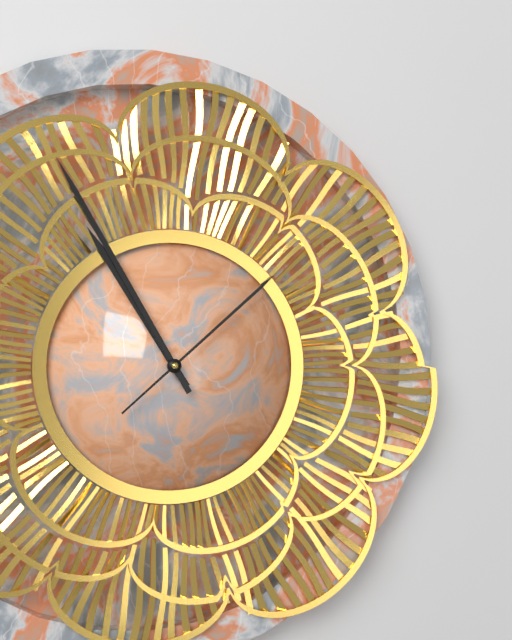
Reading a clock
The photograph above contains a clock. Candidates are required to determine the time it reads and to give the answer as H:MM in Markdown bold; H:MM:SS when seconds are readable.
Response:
**10:55:08**
